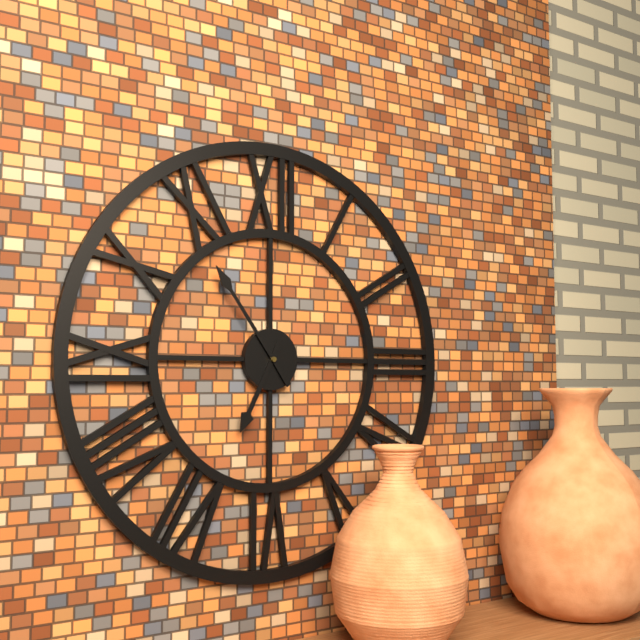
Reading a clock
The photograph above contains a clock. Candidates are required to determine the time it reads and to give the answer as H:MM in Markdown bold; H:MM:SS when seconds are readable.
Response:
**6:54**
